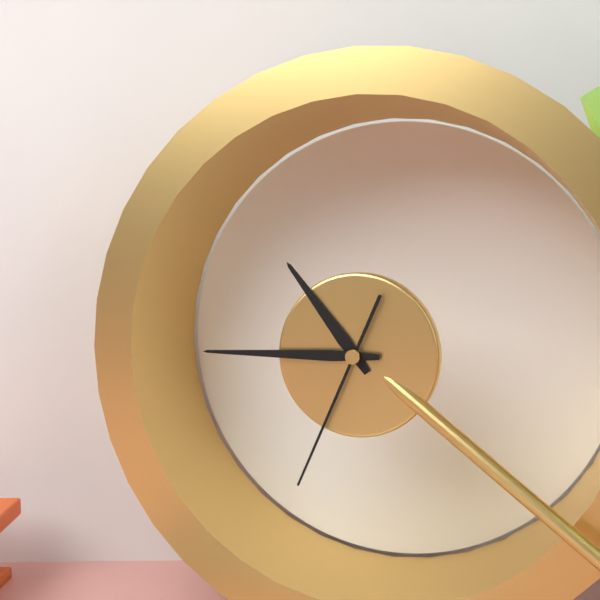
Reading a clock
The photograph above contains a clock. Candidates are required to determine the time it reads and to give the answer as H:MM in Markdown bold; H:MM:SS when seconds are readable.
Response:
**10:45:34**
